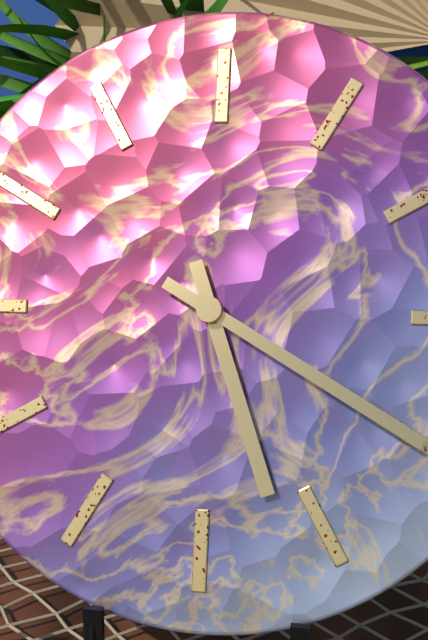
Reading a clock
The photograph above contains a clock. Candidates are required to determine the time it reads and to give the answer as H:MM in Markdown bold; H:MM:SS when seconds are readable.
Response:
**5:20**
